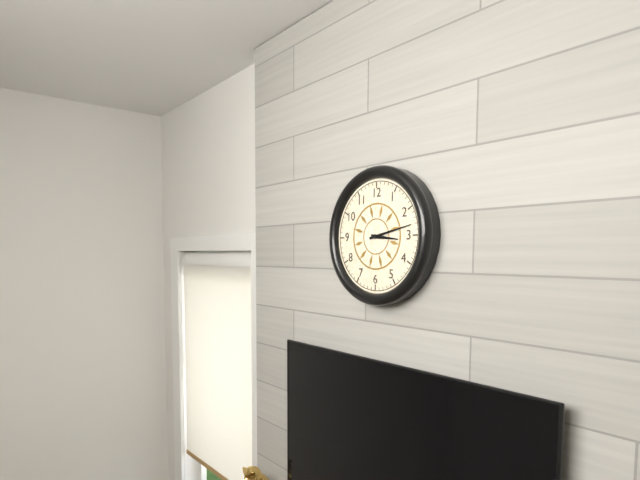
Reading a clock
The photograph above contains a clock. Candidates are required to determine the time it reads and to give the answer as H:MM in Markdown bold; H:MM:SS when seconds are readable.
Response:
**3:13**
